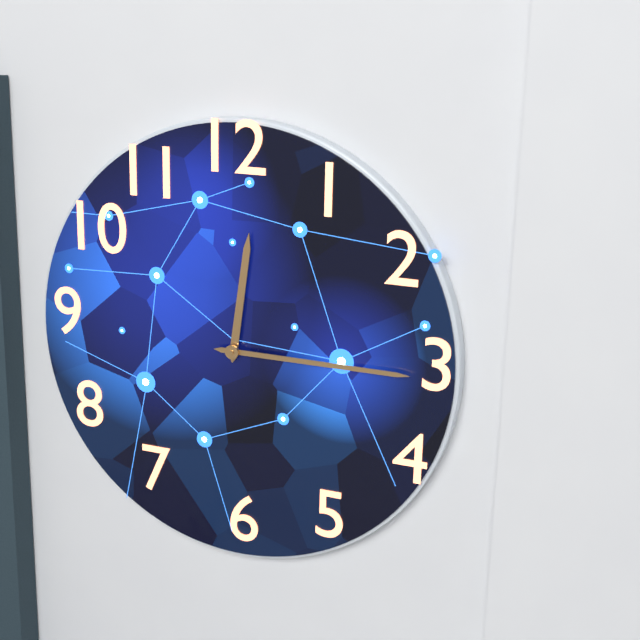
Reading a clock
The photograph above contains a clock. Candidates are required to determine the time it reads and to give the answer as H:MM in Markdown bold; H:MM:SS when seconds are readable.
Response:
**12:15**
